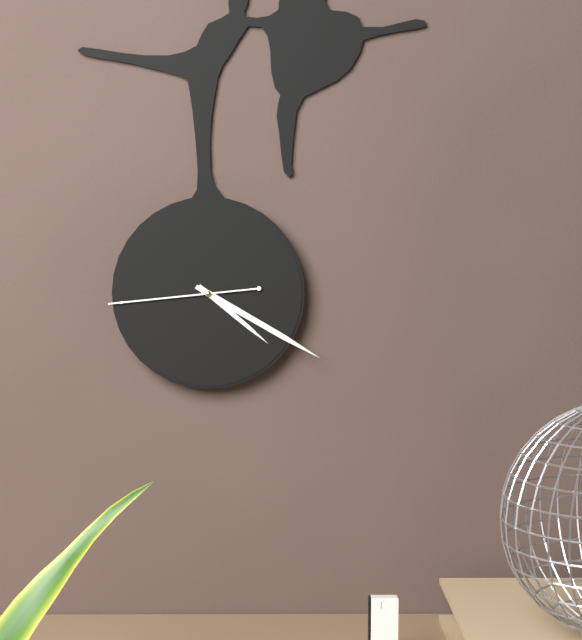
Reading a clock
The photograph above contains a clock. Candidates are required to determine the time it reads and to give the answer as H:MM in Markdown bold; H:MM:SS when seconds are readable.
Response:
**4:20:44**
